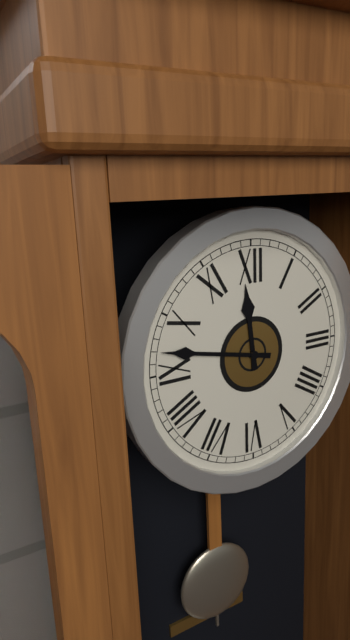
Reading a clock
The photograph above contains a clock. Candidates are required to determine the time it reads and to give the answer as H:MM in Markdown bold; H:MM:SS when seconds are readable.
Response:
**11:47**
